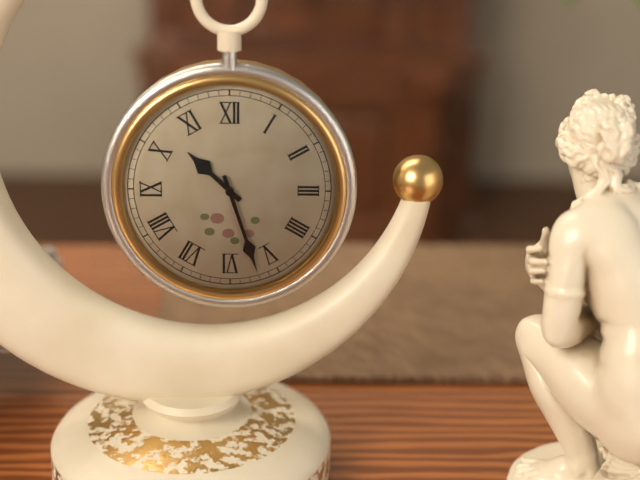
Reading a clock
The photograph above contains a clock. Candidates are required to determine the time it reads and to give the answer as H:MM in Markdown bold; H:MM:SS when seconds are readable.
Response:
**10:27**
